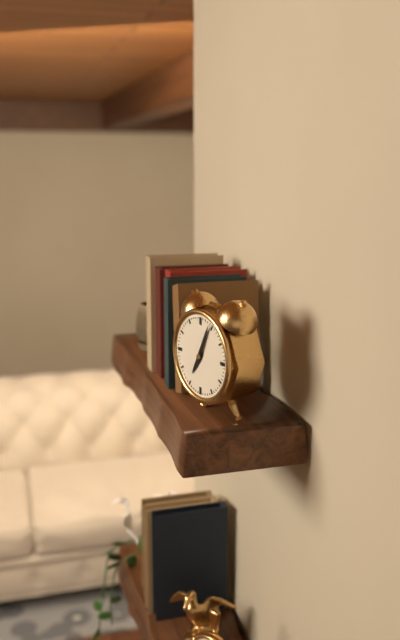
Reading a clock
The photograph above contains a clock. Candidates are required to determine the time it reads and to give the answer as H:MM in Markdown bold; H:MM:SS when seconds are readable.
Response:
**7:04**
